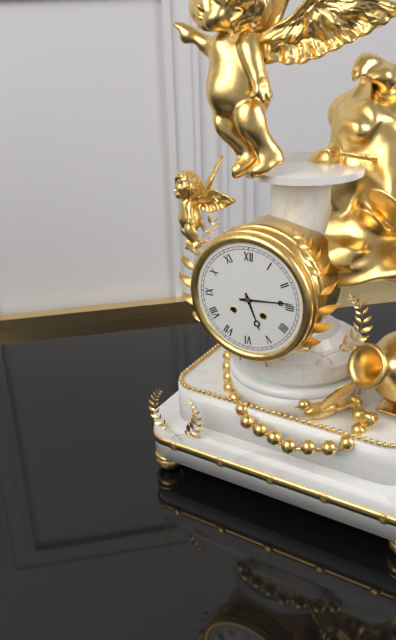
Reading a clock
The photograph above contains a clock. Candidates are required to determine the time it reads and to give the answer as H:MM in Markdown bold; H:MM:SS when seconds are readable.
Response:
**5:14**
